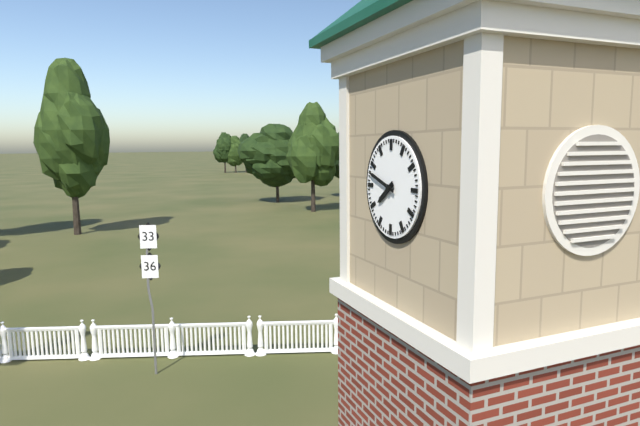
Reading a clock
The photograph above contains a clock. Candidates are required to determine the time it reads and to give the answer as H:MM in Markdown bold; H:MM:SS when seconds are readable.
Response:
**7:48**
